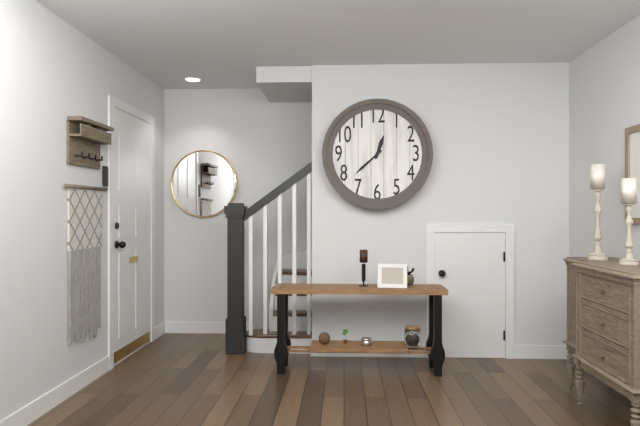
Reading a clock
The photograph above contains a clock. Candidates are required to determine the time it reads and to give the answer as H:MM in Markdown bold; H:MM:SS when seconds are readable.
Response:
**12:38**
